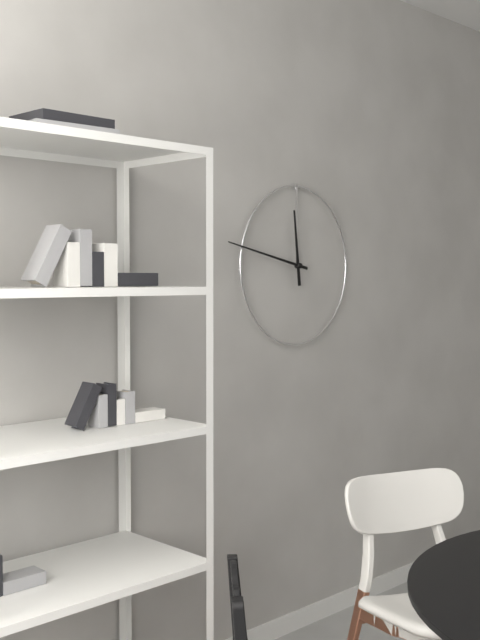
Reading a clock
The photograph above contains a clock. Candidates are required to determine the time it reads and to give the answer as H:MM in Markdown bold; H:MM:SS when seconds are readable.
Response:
**11:47**
